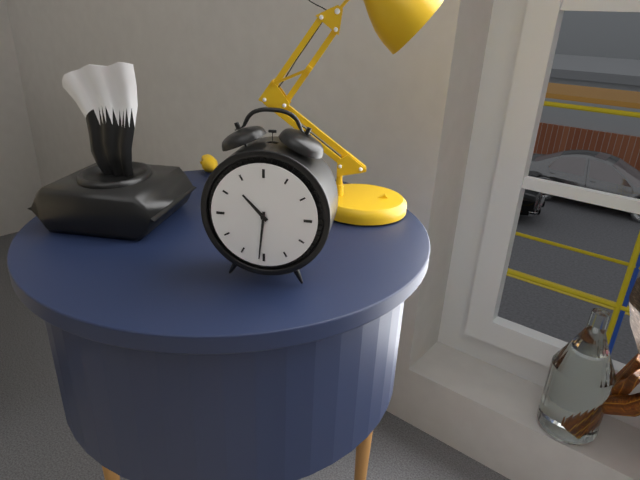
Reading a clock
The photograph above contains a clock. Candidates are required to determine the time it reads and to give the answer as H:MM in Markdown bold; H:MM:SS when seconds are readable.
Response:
**10:31**
